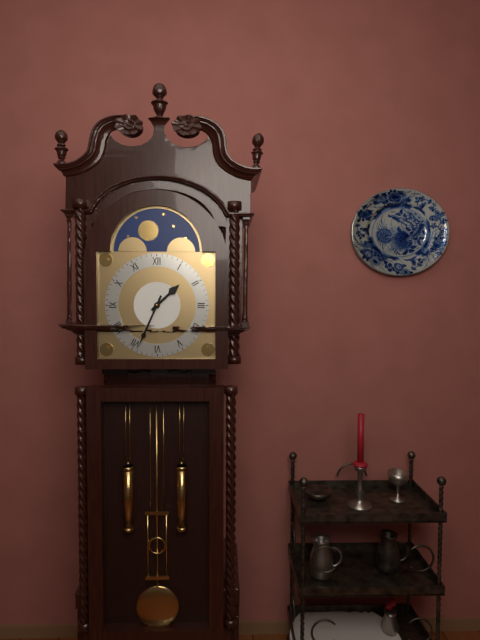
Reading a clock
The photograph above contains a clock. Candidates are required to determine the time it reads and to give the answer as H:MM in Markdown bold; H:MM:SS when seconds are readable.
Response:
**1:34**
